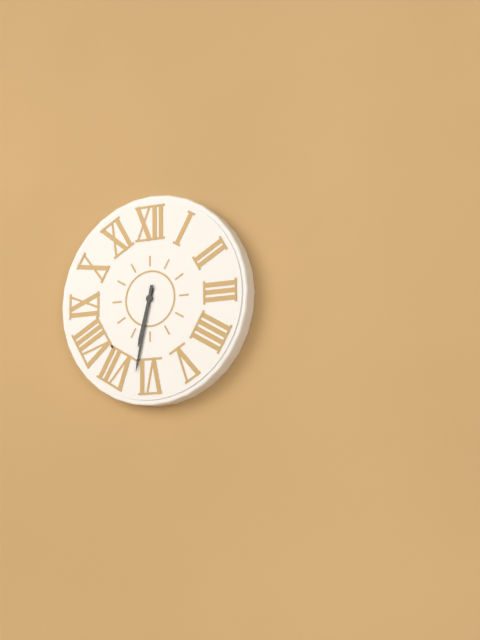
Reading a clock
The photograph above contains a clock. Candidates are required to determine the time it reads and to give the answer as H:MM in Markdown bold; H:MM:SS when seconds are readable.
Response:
**6:32**
